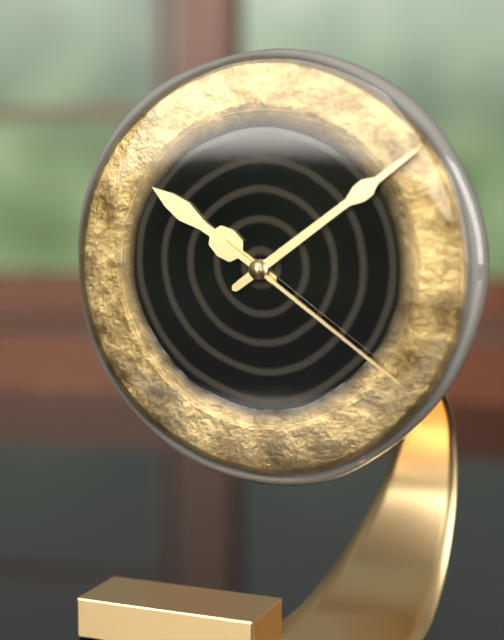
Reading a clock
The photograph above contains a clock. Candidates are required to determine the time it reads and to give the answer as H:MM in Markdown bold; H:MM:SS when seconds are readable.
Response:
**10:09:21**
